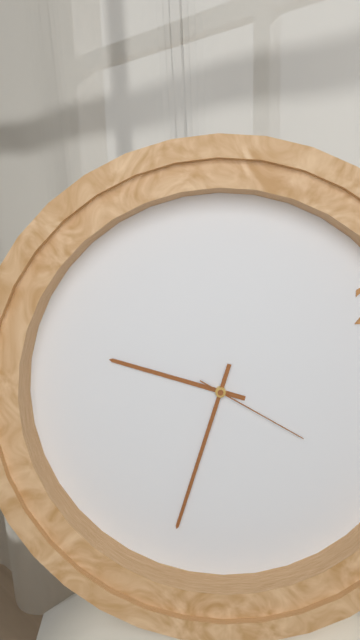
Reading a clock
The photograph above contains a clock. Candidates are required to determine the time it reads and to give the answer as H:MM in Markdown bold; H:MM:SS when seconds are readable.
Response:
**9:33:20**
